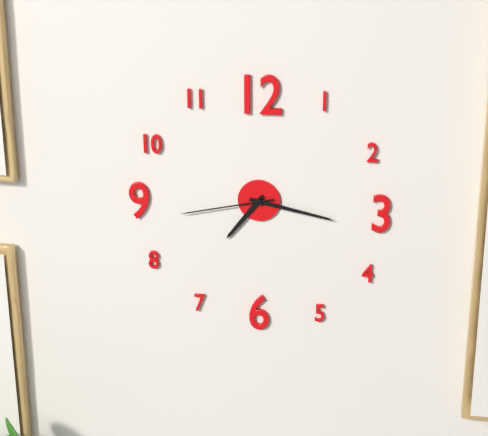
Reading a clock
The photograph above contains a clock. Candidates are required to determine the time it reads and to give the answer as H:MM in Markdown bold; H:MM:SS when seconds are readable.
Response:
**7:17:43**
